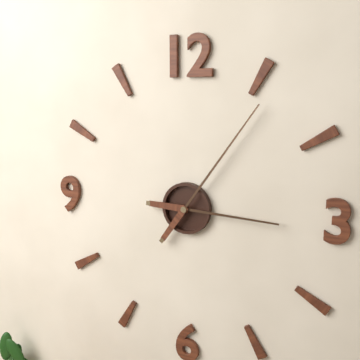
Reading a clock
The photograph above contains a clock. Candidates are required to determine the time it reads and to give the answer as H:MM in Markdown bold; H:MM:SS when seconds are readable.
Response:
**3:06**
